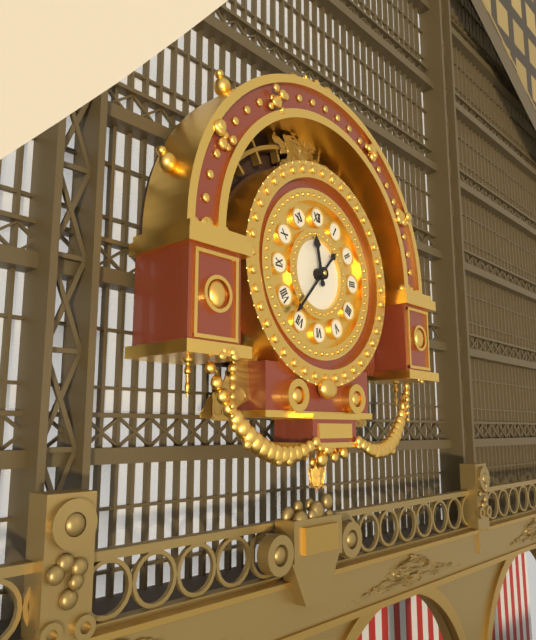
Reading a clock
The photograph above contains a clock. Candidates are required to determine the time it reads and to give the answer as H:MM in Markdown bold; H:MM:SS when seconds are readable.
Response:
**11:37**
